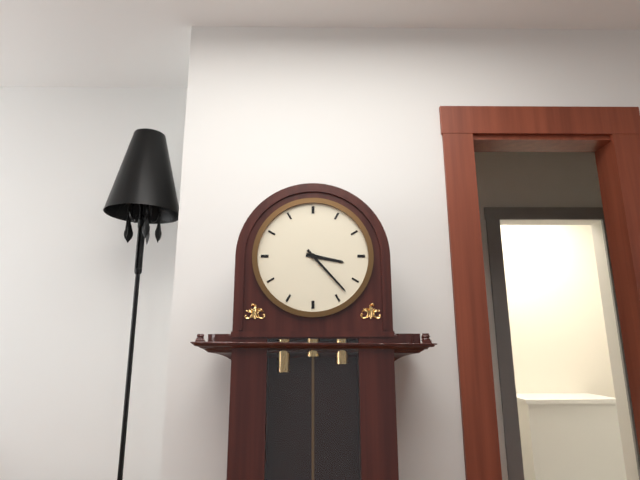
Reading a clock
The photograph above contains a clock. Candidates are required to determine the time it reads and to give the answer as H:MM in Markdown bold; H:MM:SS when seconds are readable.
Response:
**3:23**
